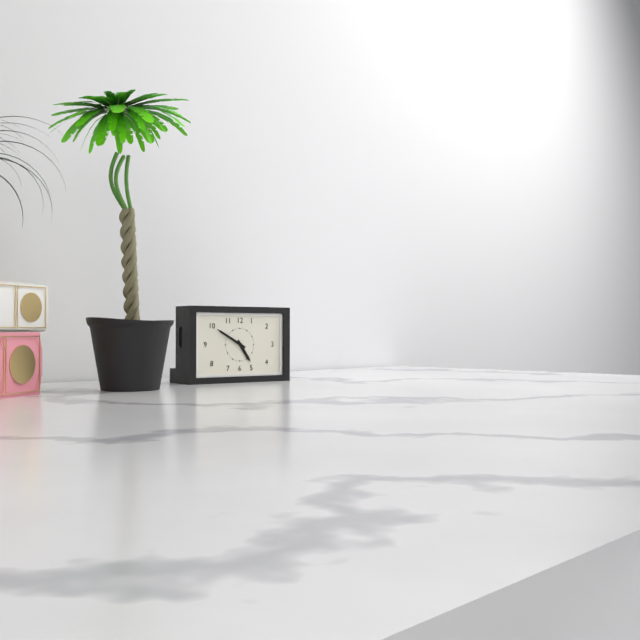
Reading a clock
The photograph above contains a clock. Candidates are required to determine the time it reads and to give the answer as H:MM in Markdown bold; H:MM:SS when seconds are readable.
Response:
**4:50**
